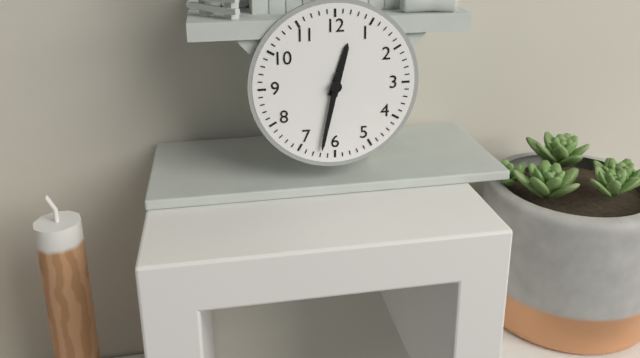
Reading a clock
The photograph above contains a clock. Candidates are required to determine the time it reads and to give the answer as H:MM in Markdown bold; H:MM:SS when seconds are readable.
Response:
**12:32**
